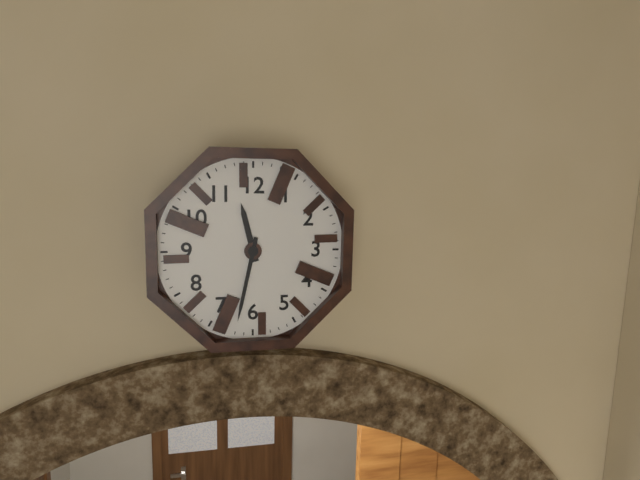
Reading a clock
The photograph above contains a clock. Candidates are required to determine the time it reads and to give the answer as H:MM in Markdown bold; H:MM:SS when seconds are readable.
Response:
**11:32**
